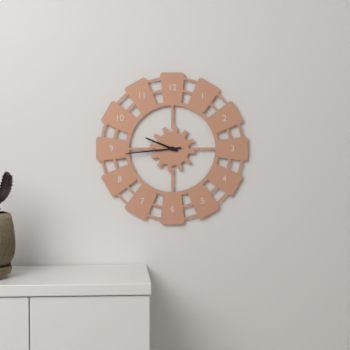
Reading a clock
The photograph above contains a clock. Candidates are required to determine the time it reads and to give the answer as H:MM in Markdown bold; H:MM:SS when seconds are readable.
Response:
**9:44**
